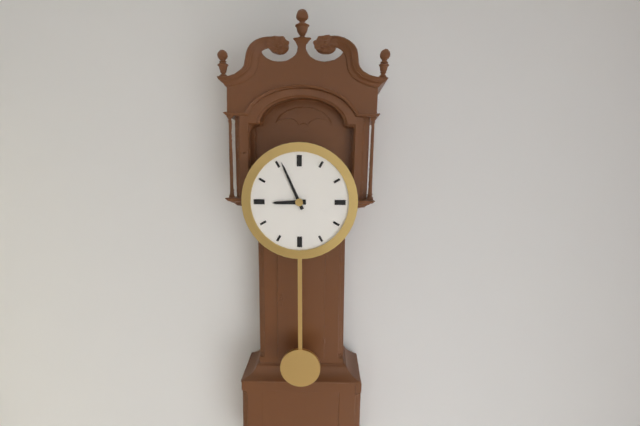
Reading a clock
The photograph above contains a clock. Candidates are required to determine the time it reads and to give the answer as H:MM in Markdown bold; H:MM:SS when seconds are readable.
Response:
**8:56**
